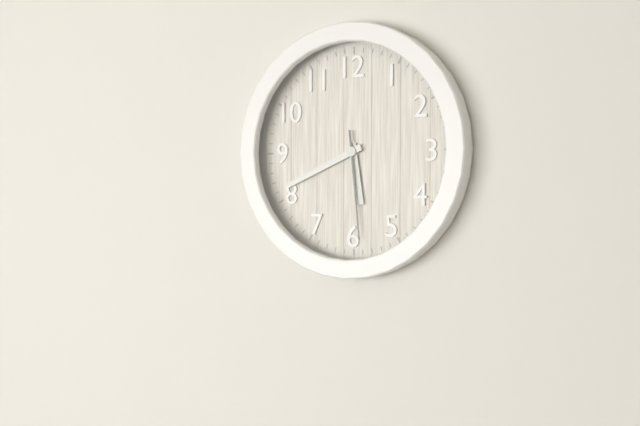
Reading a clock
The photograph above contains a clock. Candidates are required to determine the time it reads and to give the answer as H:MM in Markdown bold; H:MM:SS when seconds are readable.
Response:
**5:41:29**
